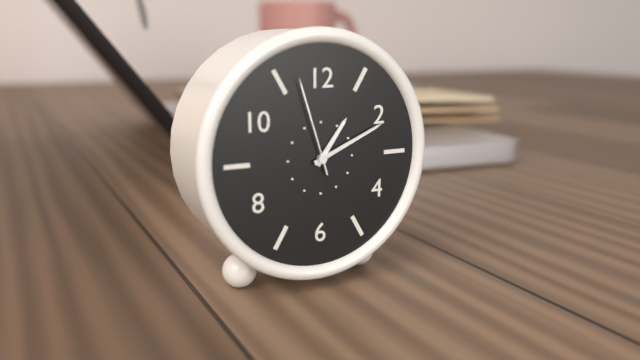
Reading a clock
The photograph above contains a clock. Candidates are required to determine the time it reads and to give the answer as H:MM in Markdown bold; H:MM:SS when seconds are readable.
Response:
**1:11:57**
